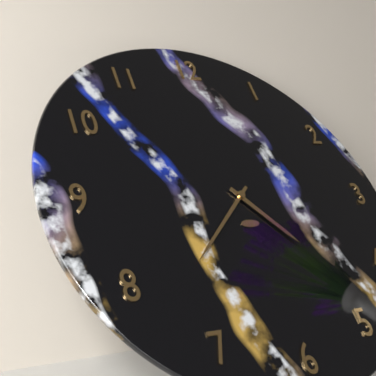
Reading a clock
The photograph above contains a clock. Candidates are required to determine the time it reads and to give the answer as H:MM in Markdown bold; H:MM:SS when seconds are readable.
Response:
**4:38**
